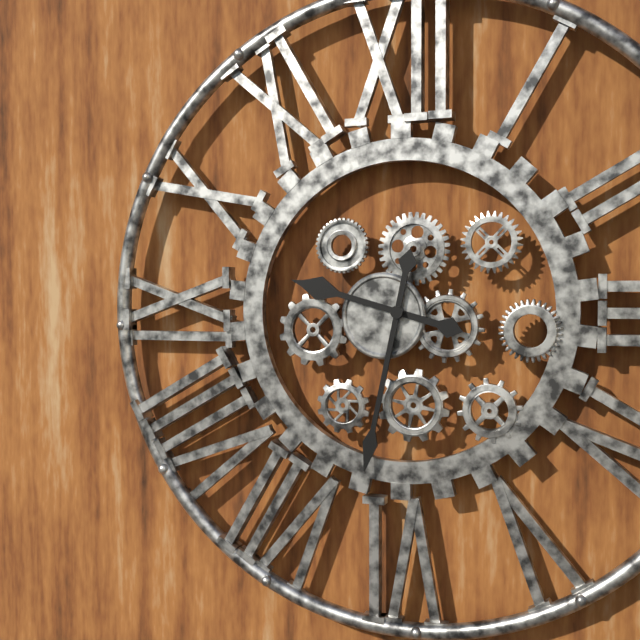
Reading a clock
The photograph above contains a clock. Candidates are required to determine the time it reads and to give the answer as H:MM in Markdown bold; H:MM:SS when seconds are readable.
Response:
**9:32**
